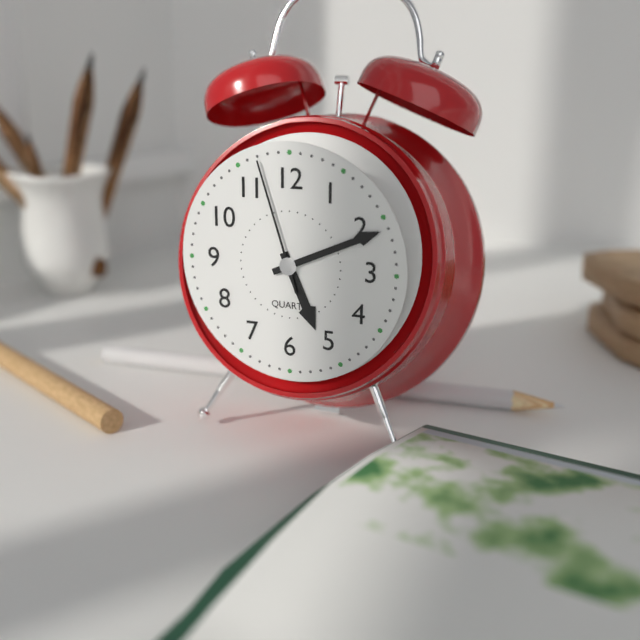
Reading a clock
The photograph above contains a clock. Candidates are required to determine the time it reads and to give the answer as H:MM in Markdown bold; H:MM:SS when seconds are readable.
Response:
**5:11:57**
